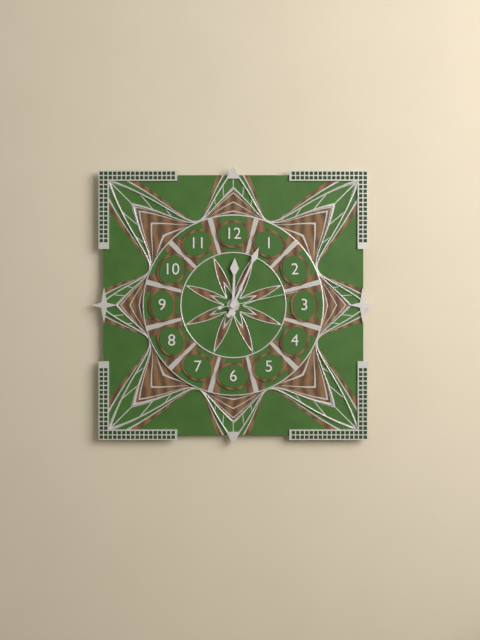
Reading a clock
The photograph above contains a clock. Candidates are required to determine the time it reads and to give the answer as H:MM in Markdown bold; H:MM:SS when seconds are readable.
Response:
**12:04:13**
